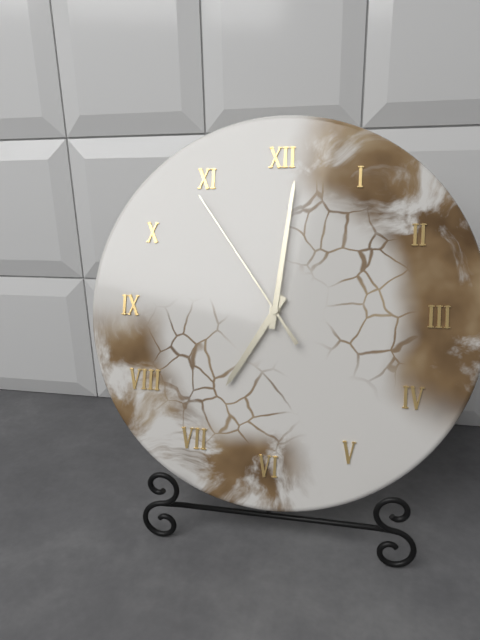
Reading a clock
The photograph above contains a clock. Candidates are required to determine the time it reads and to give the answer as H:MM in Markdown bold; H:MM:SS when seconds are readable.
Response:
**7:01:54**
